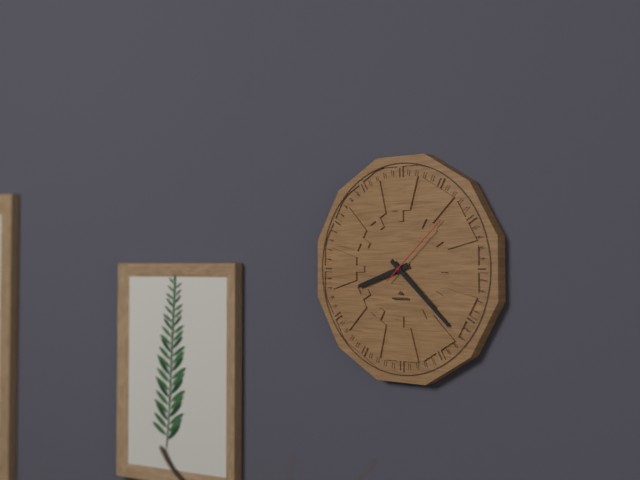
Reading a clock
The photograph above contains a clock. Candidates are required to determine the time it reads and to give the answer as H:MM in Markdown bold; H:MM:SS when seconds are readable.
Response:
**8:22:08**
